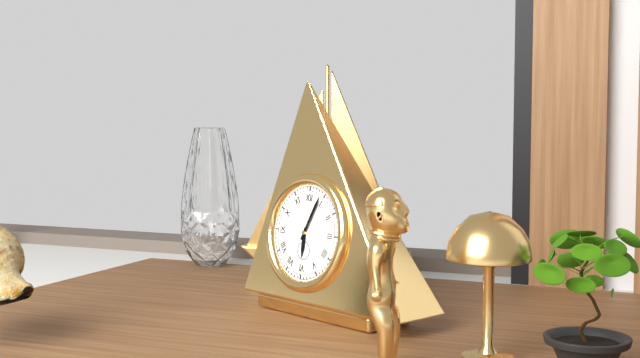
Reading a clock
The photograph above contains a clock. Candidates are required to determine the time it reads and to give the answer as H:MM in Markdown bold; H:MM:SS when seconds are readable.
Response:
**6:04**
